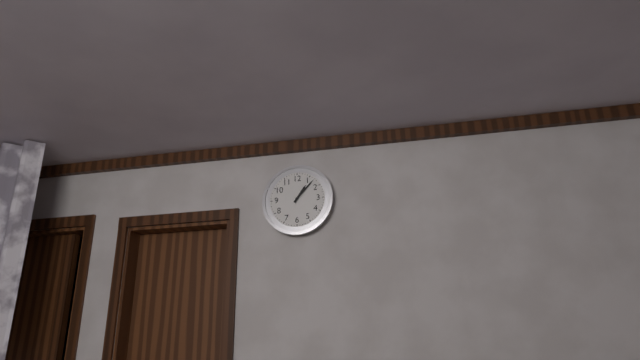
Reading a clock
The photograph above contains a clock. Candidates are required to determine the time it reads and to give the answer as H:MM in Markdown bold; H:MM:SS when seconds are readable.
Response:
**1:07**
